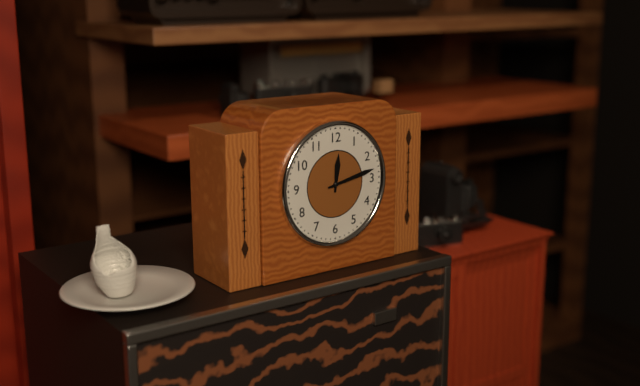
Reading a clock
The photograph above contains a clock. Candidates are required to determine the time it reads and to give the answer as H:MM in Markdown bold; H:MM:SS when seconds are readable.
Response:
**12:13**
